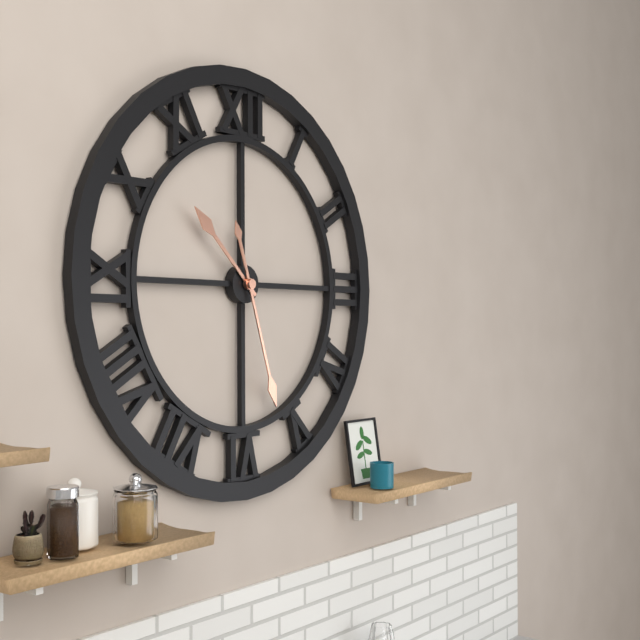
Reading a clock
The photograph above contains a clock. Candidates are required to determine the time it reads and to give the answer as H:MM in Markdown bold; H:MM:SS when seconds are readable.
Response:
**10:27**
